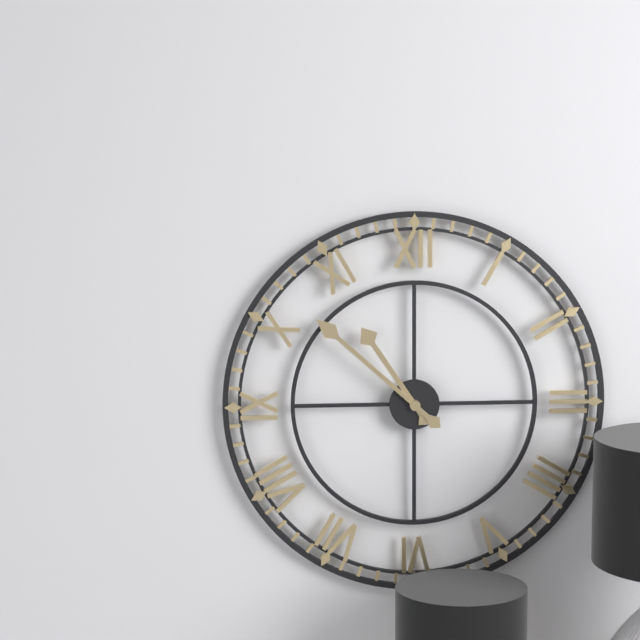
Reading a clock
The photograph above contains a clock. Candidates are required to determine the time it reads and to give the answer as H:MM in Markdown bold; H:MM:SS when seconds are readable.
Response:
**10:52**
